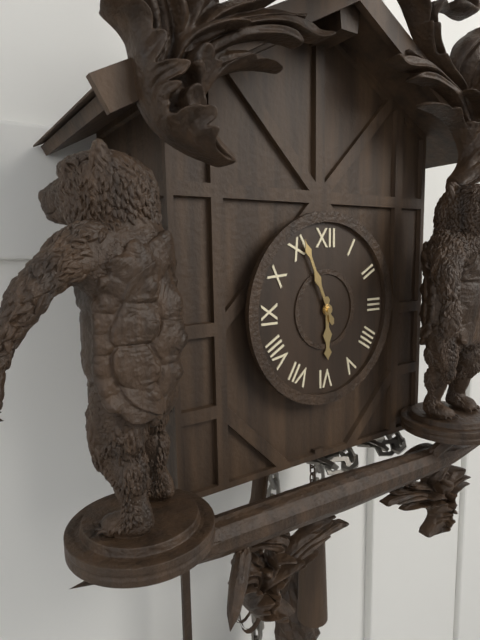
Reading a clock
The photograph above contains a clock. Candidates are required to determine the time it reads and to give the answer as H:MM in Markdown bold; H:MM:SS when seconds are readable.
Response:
**5:56**
